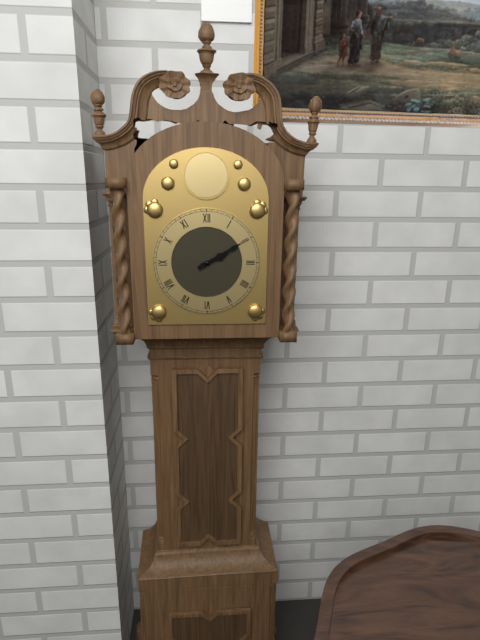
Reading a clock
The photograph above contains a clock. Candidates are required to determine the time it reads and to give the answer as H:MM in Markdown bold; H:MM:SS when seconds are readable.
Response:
**2:10**
